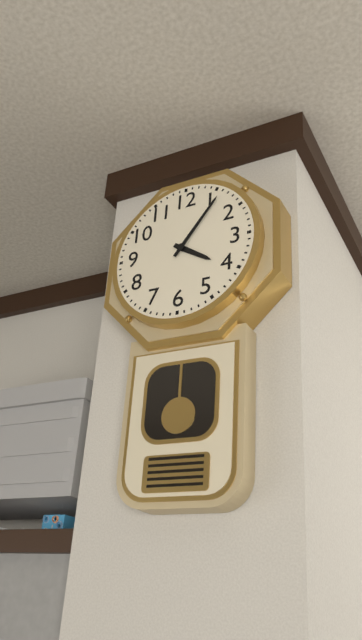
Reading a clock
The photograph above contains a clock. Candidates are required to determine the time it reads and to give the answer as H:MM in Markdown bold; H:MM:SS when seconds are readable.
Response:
**4:06**
